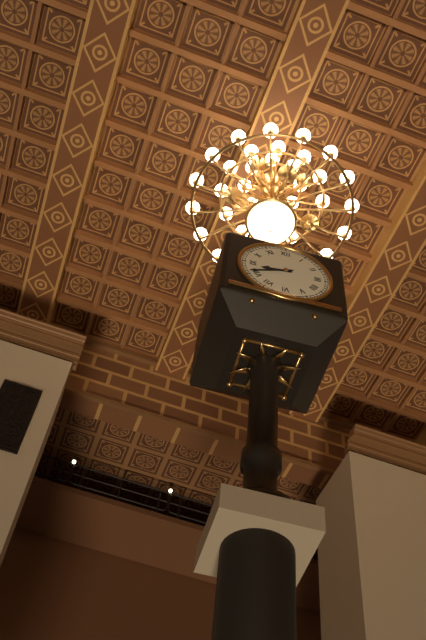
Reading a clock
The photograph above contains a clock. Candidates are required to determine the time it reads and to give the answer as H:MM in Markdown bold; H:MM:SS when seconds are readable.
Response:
**8:41**
